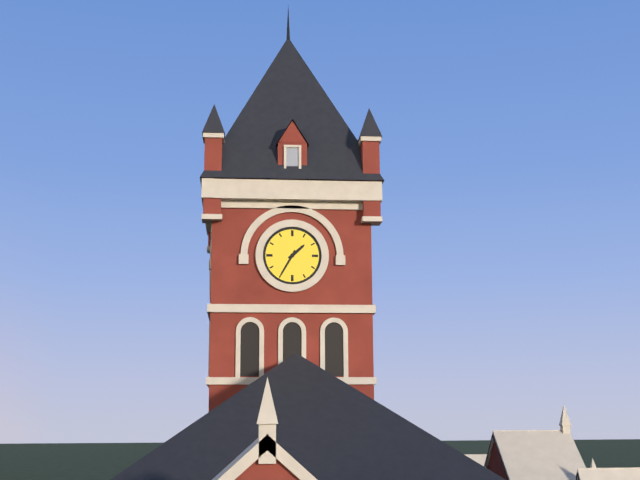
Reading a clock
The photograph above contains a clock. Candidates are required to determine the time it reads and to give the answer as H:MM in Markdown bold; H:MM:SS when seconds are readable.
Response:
**1:35**
